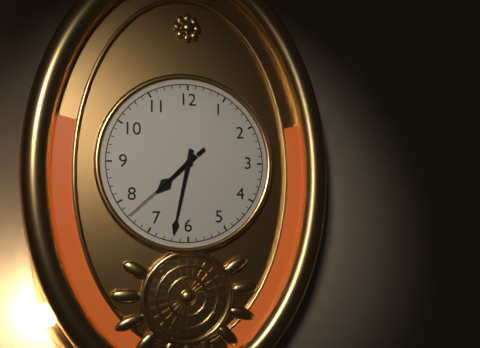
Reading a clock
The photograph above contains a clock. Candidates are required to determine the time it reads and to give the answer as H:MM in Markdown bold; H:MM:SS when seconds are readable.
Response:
**7:32:38**
